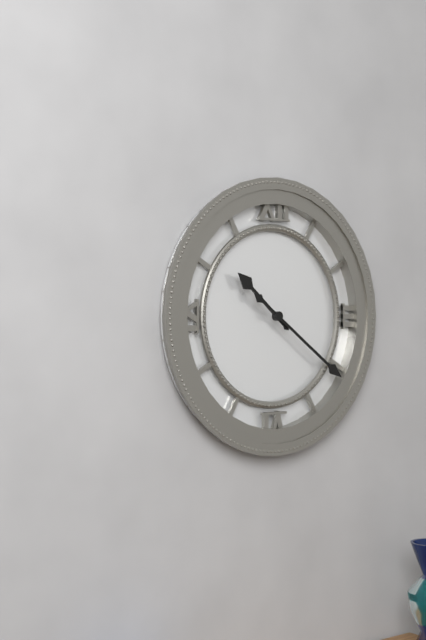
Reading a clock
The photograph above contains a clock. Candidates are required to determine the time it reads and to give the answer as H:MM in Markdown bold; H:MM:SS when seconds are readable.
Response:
**10:21**
